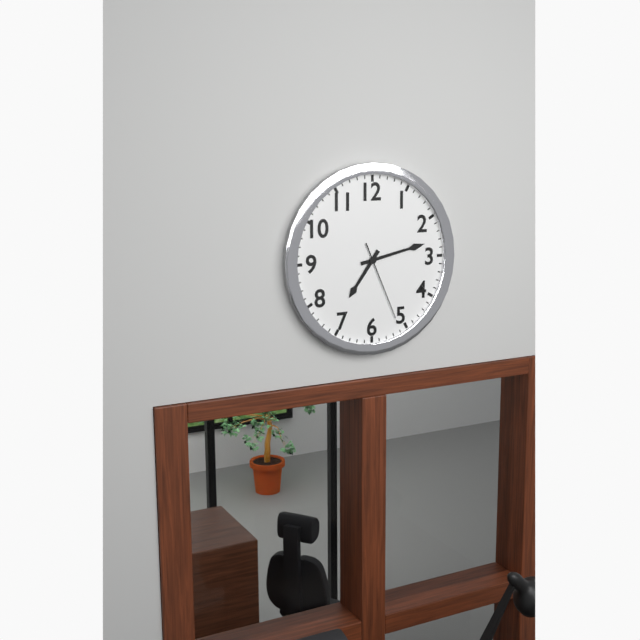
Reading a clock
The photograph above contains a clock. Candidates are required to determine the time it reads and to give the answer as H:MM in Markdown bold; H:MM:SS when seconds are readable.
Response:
**7:13:26**
